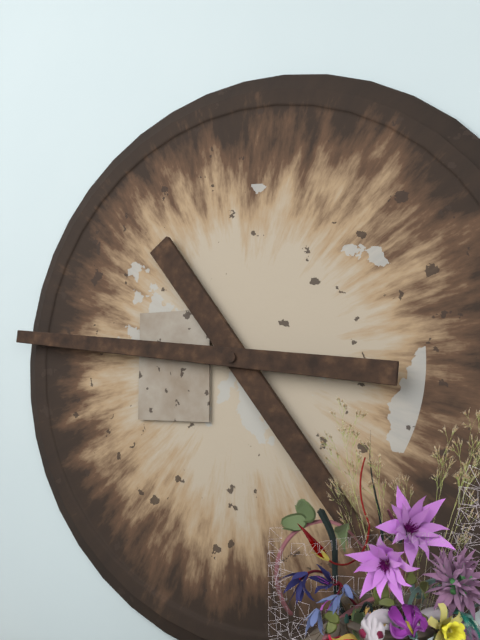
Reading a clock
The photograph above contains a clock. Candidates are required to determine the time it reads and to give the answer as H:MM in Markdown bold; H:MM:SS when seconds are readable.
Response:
**4:46**
